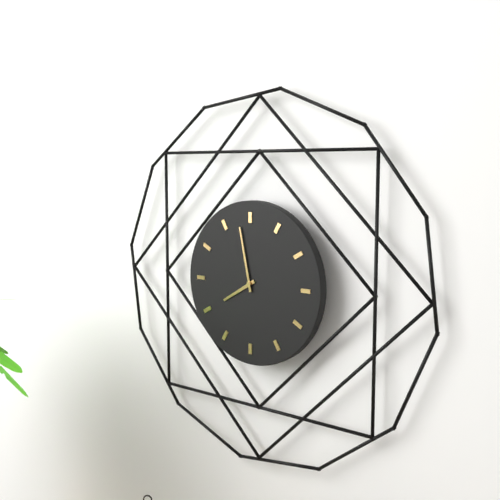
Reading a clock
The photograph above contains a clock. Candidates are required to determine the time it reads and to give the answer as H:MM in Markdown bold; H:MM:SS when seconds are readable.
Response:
**7:58**
